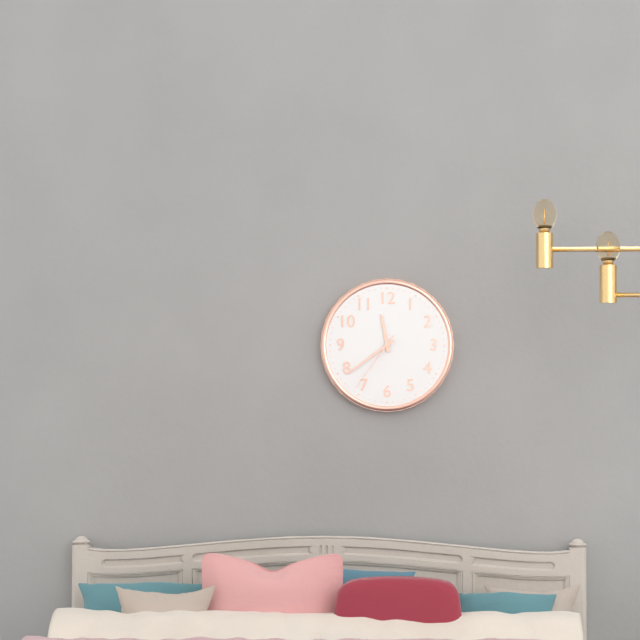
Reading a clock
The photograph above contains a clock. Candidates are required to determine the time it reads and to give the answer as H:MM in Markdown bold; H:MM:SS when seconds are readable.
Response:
**11:39:36**
